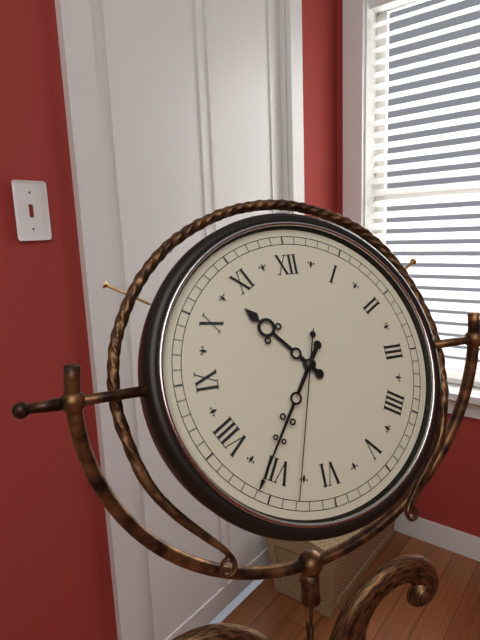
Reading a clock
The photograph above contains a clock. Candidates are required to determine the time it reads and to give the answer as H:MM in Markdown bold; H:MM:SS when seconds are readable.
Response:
**10:36:33**
